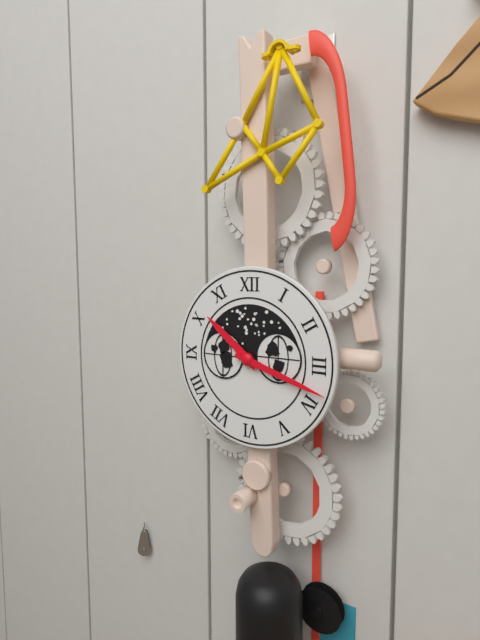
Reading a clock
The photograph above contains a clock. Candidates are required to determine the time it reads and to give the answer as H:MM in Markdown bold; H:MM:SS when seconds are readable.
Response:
**10:18**
